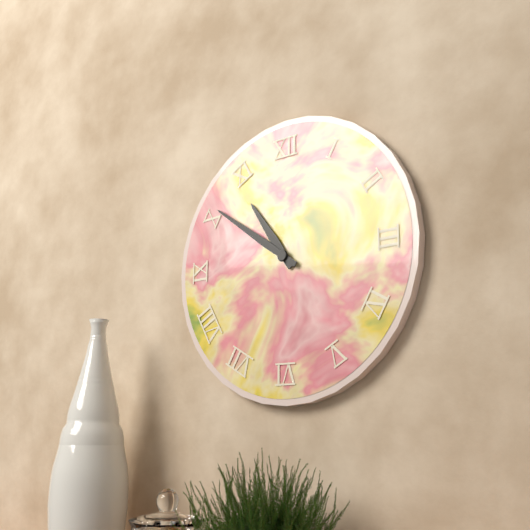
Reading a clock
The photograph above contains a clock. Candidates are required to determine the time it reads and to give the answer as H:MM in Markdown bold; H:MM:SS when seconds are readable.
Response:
**10:51**
